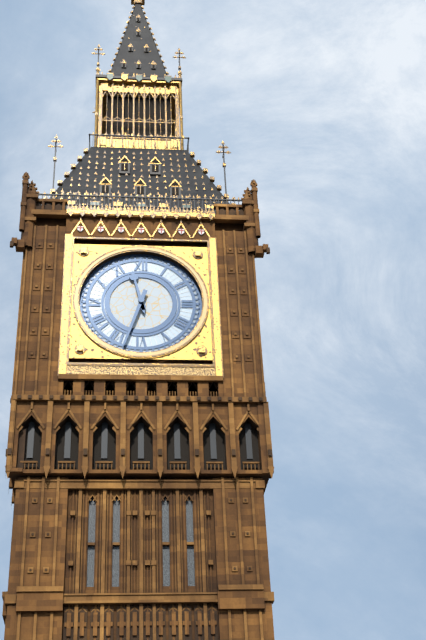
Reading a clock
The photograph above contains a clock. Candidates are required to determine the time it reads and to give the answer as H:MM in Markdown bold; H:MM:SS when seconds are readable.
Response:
**11:33**
